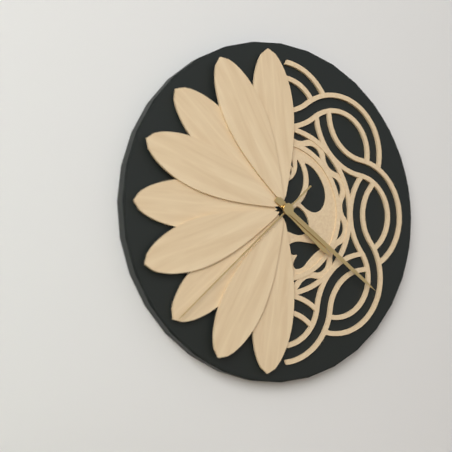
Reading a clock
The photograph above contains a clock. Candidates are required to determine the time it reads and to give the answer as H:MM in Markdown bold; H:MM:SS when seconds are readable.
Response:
**4:21:38**
